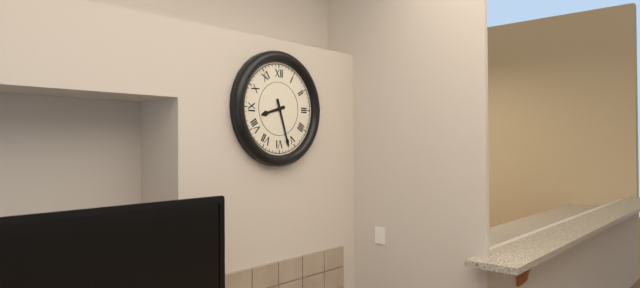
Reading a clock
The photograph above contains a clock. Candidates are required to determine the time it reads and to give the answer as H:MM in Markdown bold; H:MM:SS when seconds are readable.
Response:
**8:27**
